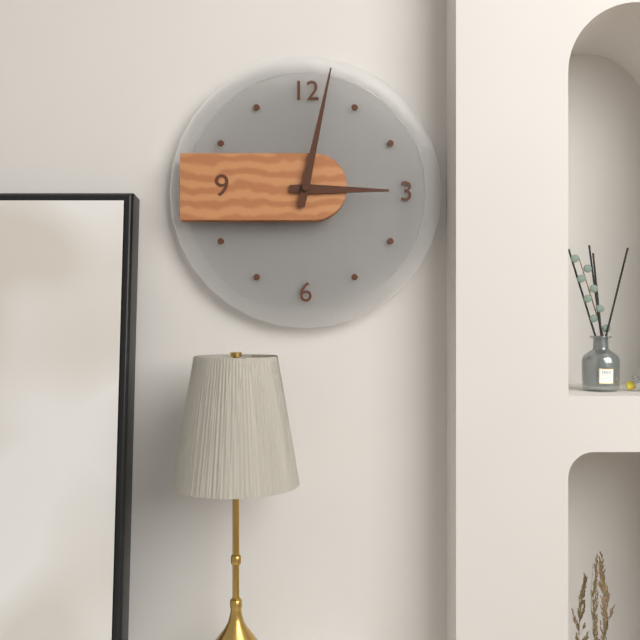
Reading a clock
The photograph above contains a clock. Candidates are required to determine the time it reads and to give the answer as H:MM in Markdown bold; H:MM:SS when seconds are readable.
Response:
**3:02**
